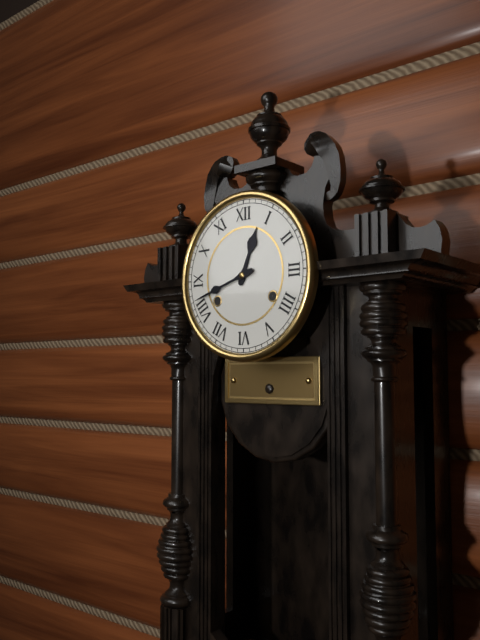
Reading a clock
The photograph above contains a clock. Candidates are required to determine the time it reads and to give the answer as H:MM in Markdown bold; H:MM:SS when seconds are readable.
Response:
**12:42**
